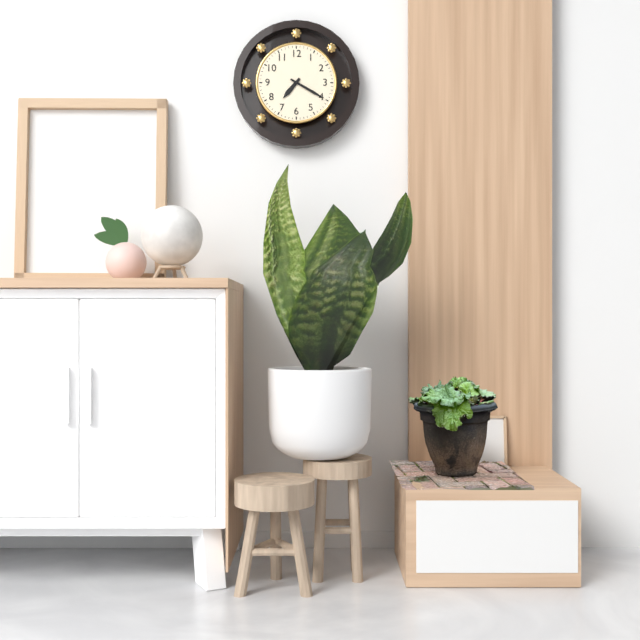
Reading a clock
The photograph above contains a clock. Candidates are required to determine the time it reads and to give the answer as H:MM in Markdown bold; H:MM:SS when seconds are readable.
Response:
**7:20**
